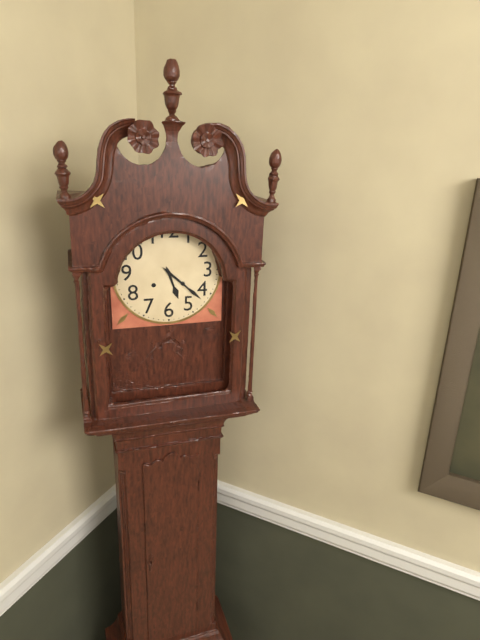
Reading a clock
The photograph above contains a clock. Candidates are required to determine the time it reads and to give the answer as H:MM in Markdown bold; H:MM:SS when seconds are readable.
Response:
**5:22**
